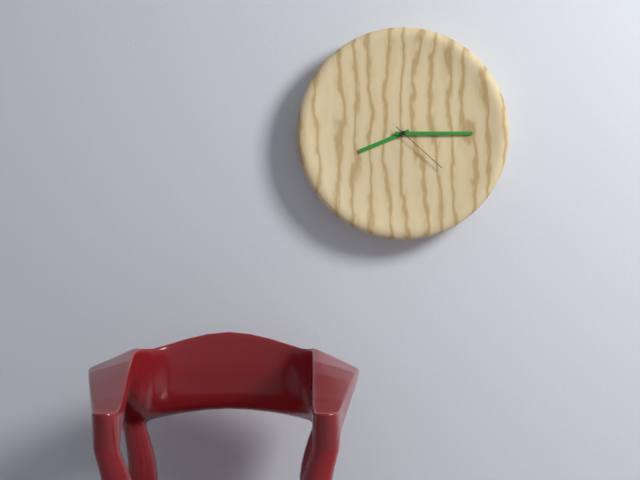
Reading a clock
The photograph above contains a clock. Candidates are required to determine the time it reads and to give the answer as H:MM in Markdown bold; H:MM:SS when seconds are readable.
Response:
**8:15:22**
